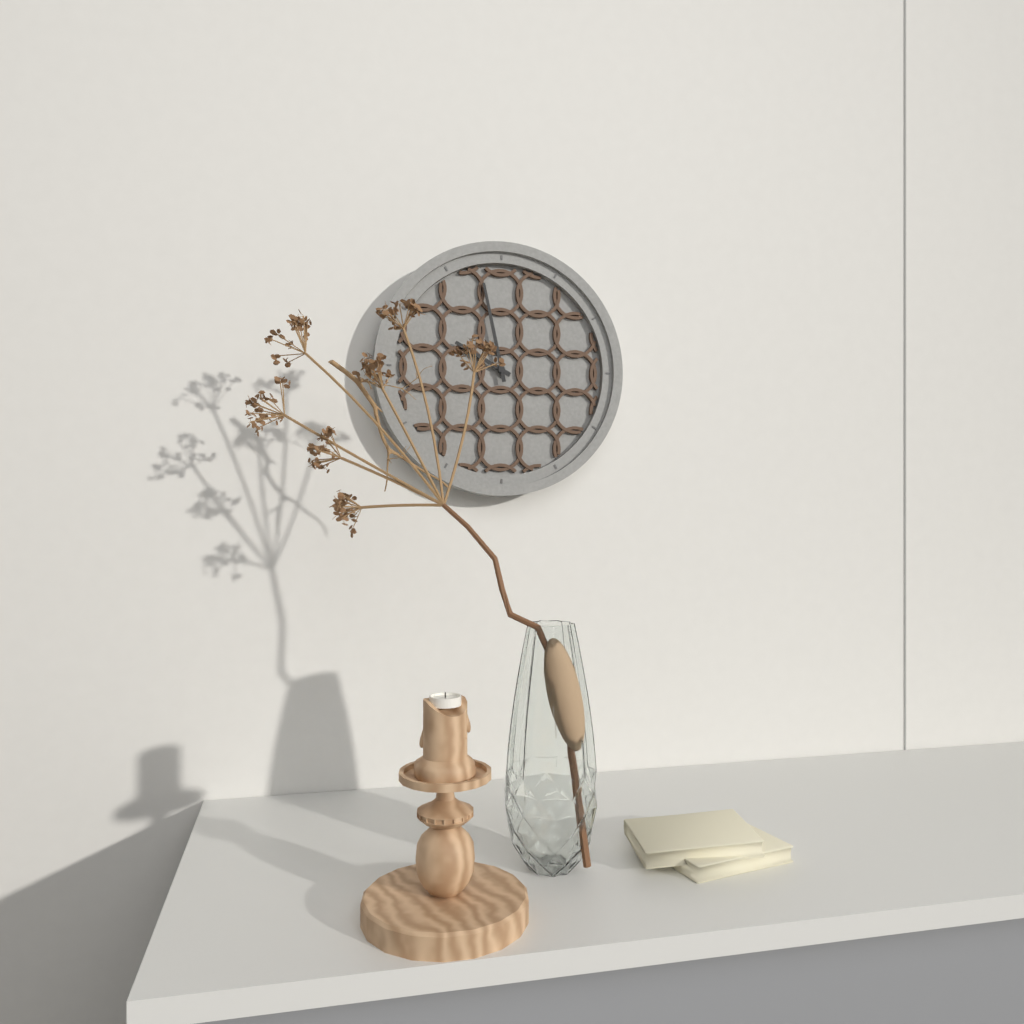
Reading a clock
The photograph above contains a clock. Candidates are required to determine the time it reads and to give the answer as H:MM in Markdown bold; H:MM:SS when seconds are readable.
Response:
**9:58**
